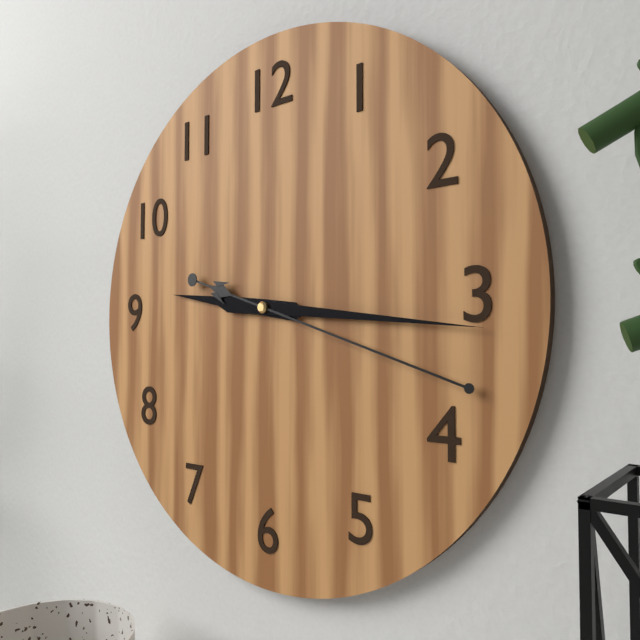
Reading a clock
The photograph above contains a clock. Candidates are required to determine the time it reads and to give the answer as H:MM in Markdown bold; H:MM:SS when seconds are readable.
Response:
**9:16:18**
